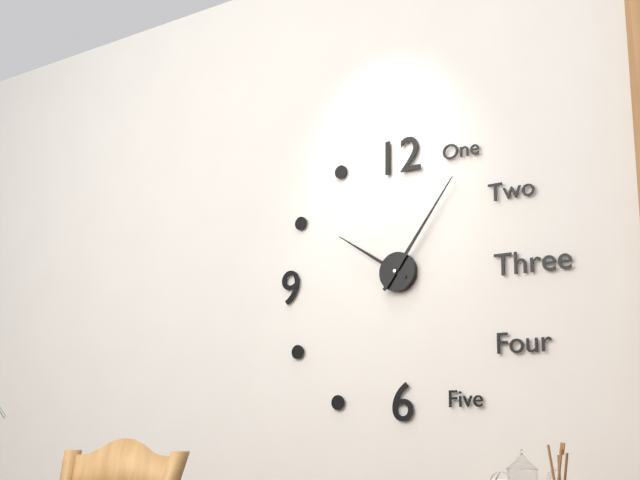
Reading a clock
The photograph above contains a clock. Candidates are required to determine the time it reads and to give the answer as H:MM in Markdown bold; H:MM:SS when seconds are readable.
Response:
**10:06**
